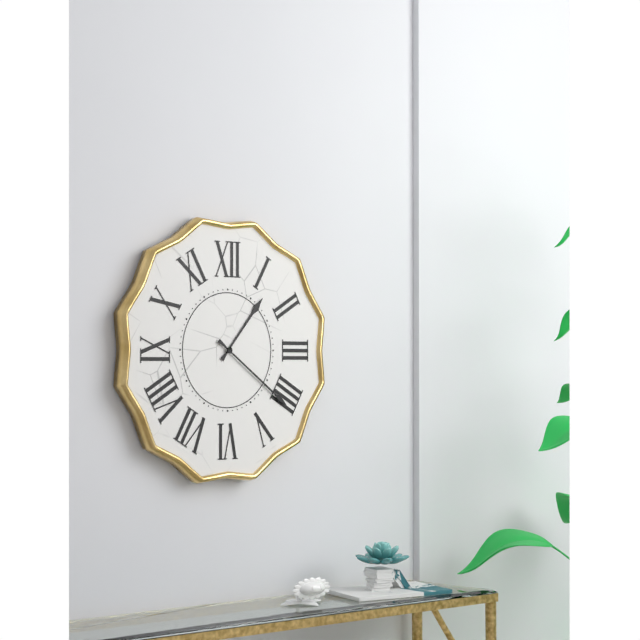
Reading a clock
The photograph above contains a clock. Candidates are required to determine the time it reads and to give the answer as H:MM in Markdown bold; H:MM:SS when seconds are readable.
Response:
**1:21**
